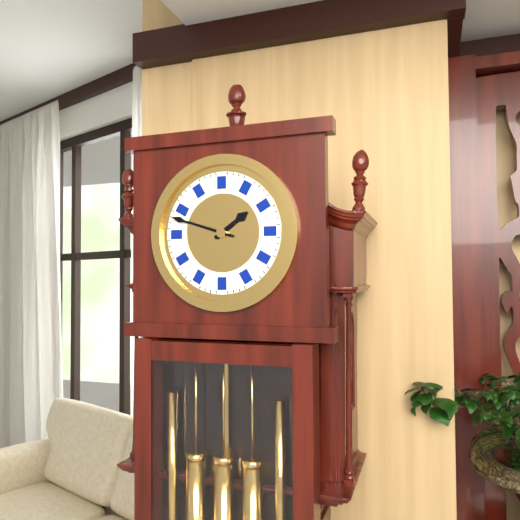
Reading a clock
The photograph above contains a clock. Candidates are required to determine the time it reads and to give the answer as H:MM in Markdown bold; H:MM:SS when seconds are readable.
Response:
**1:48**
